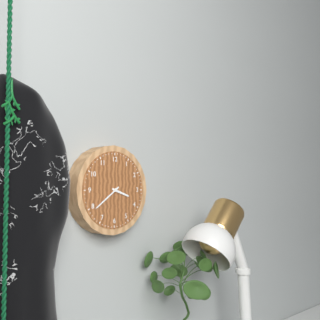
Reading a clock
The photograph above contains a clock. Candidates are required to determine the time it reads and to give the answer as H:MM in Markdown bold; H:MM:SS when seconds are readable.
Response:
**3:39**
